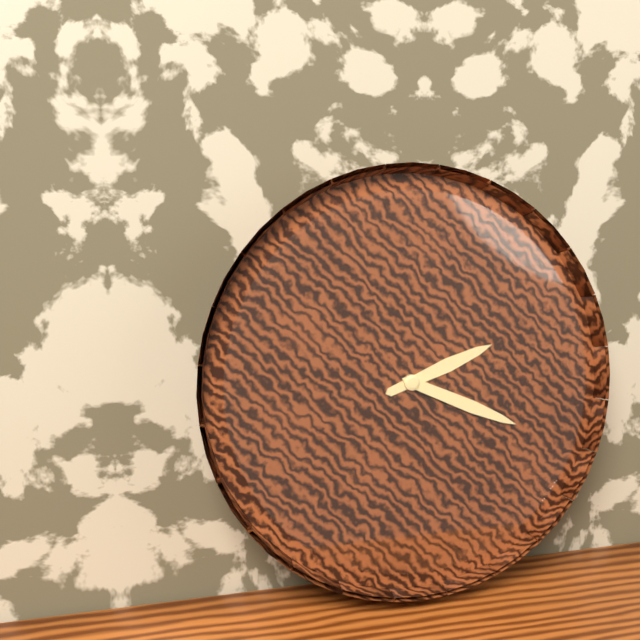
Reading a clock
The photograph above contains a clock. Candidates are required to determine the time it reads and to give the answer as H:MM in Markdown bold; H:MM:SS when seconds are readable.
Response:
**2:19**
